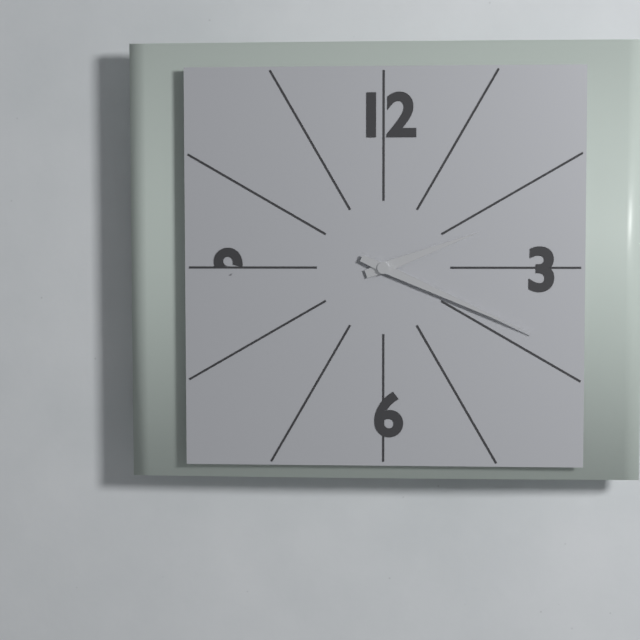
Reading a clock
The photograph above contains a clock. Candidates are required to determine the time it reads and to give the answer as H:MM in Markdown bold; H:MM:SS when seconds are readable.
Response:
**2:19**
